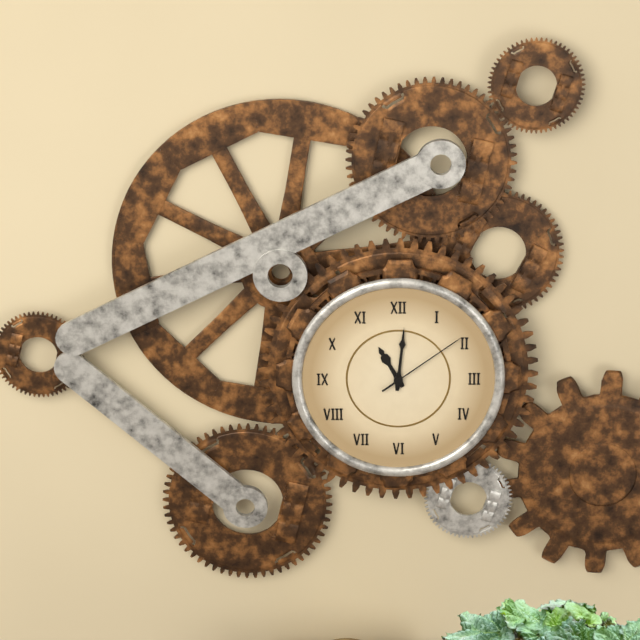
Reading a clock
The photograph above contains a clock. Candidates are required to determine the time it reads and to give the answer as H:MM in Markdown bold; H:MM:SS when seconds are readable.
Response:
**11:01:09**
